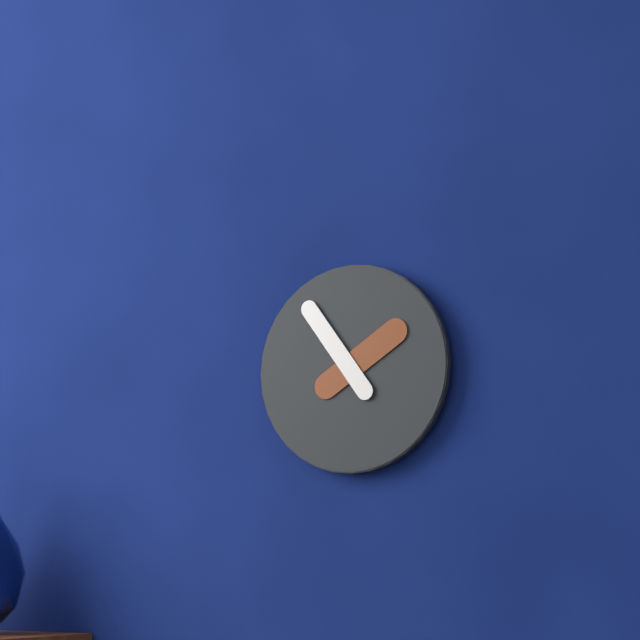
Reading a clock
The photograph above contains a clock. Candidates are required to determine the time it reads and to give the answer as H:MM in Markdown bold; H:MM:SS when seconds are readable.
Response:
**1:54**
